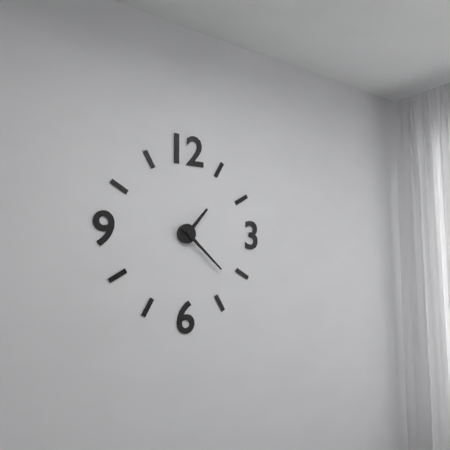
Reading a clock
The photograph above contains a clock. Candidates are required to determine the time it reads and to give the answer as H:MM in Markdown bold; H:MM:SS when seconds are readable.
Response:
**1:22**
